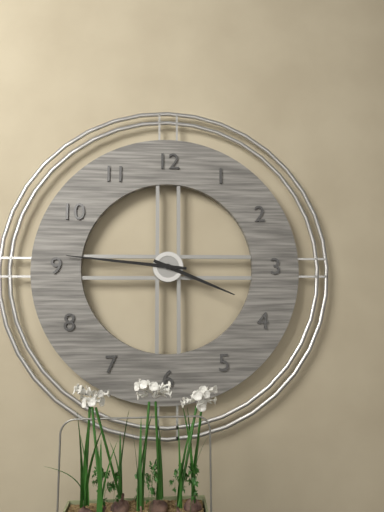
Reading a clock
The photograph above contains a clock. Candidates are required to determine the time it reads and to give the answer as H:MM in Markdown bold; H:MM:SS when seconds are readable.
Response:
**3:46**
